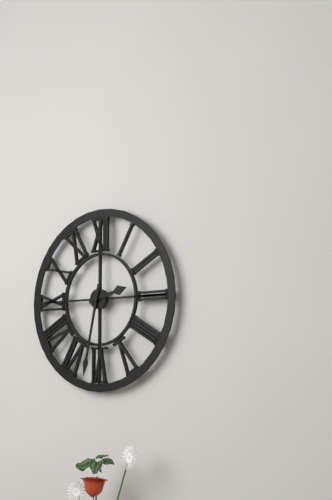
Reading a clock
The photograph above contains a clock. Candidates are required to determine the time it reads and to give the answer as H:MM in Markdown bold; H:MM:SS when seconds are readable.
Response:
**2:32**
